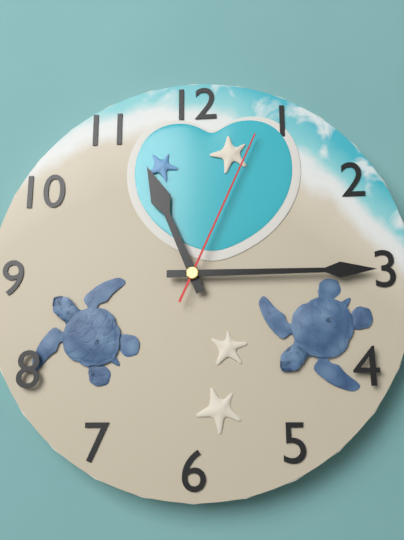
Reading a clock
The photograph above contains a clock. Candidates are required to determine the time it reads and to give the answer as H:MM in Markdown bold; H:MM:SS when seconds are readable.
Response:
**11:15:04**
